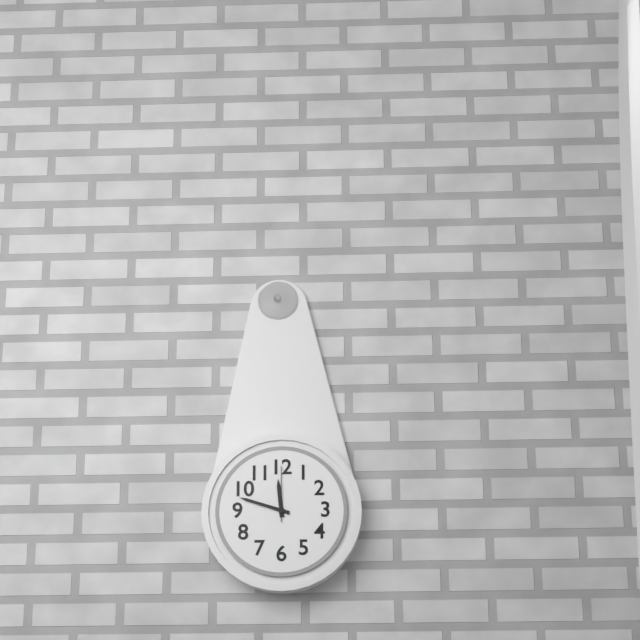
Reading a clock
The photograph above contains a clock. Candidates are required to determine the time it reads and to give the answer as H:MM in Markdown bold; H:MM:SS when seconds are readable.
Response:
**11:48:00**
